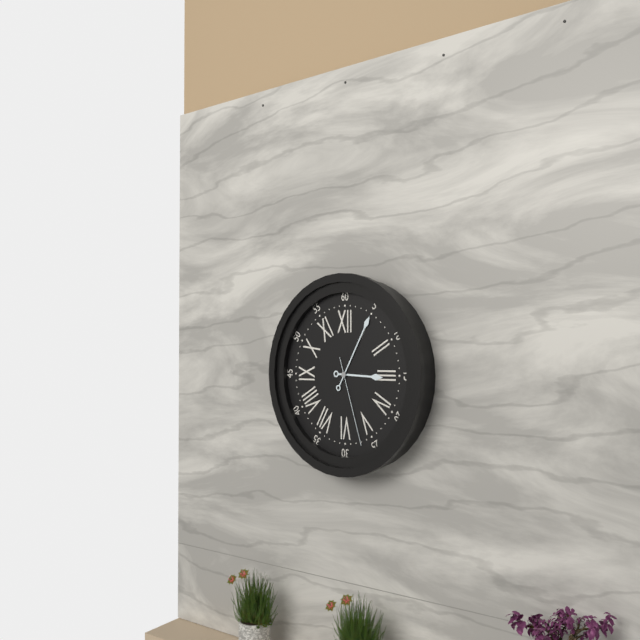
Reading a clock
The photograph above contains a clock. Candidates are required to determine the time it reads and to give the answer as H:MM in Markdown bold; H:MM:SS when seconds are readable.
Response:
**3:05:27**
